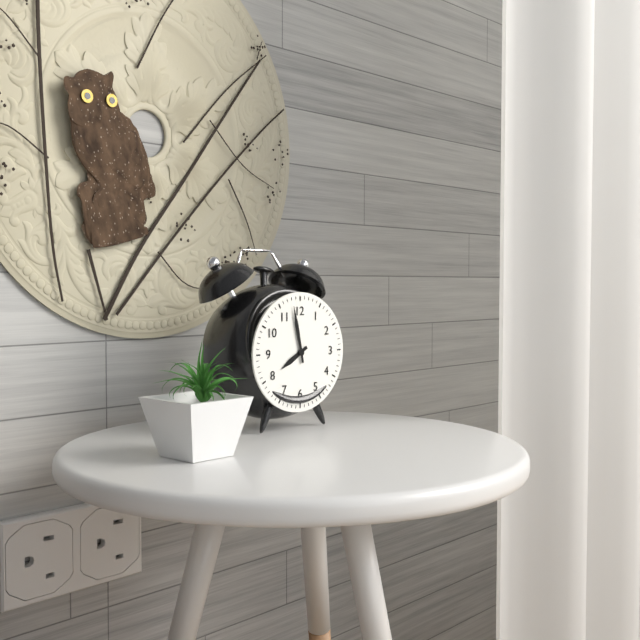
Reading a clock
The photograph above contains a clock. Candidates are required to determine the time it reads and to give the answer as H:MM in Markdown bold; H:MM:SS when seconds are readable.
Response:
**7:58**
